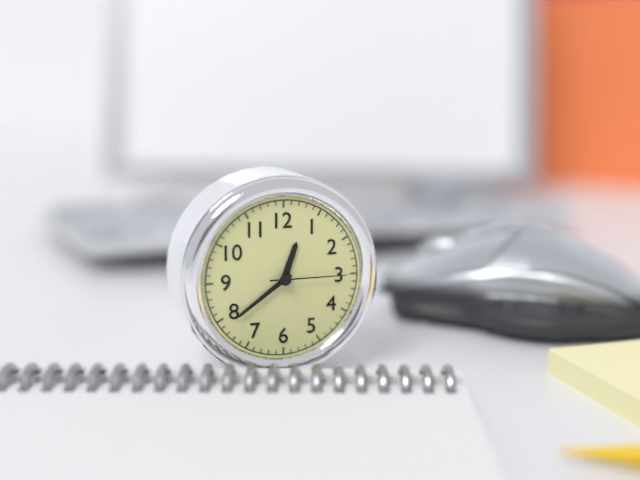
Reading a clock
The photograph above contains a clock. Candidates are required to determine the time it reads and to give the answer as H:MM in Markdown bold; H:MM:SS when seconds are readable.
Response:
**12:39:15**
